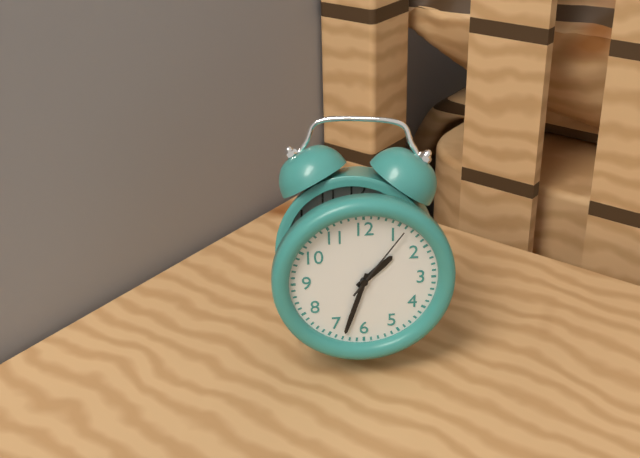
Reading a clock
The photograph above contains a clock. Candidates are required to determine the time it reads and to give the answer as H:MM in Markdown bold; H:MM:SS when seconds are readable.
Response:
**1:33:06**
